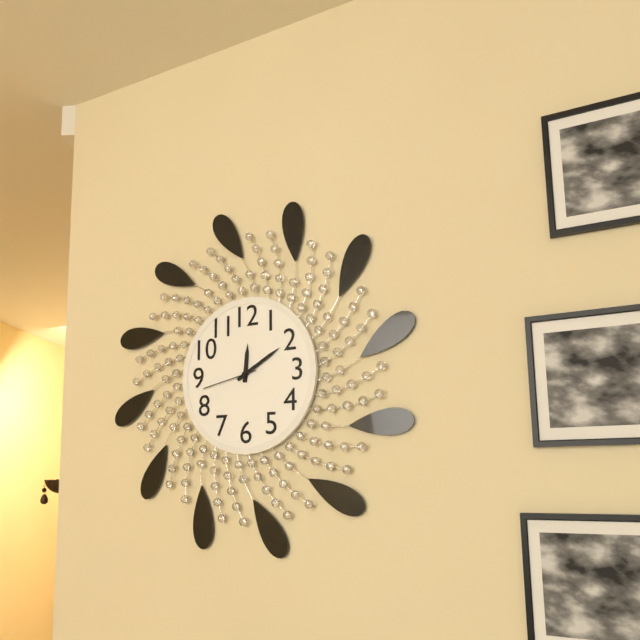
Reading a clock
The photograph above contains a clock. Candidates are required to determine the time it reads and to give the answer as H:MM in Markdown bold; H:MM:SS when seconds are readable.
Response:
**12:10:43**
